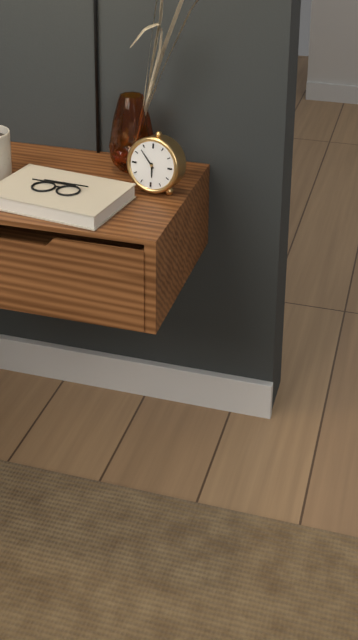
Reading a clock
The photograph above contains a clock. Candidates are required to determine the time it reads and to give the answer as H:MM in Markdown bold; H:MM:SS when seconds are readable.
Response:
**5:53**
